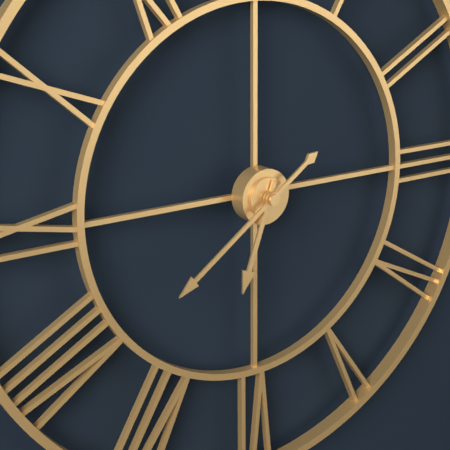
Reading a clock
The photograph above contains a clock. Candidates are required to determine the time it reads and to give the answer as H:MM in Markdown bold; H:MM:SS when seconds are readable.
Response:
**6:39**
